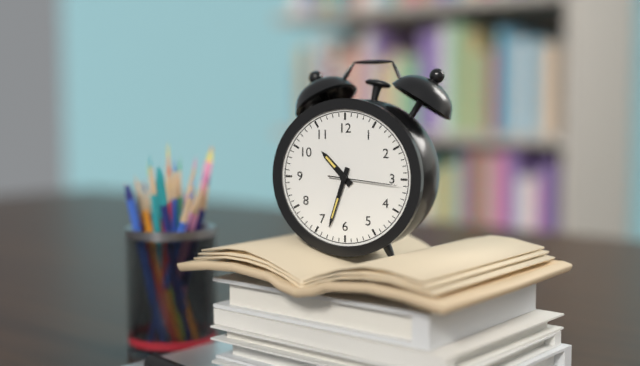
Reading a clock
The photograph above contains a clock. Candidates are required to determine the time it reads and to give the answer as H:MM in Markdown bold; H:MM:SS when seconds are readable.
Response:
**10:33:16**
